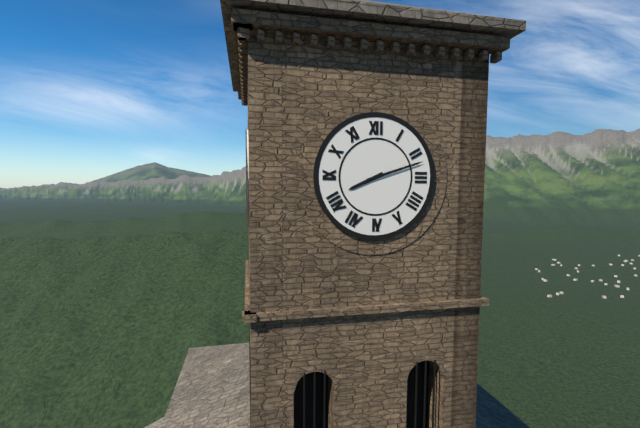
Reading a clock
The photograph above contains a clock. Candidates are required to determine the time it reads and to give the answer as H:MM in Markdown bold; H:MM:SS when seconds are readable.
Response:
**8:12**
